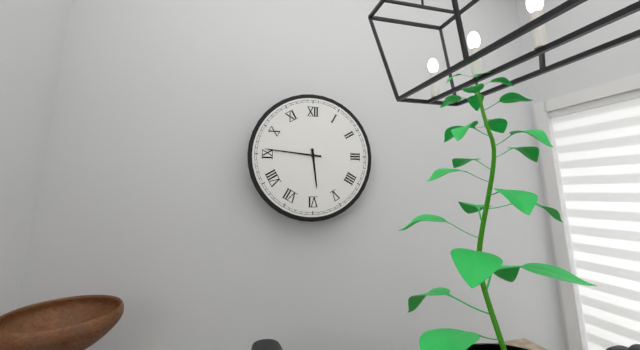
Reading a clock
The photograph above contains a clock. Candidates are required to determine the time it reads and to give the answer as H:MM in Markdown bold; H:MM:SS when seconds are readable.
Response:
**5:46**
